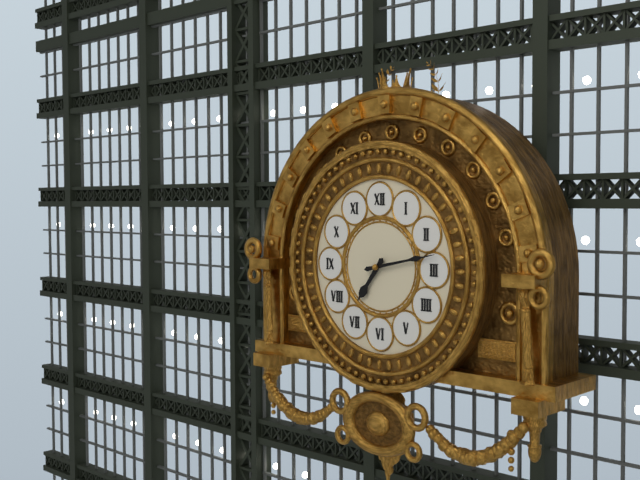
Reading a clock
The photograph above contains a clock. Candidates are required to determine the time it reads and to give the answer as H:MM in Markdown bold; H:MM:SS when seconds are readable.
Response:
**7:13**
